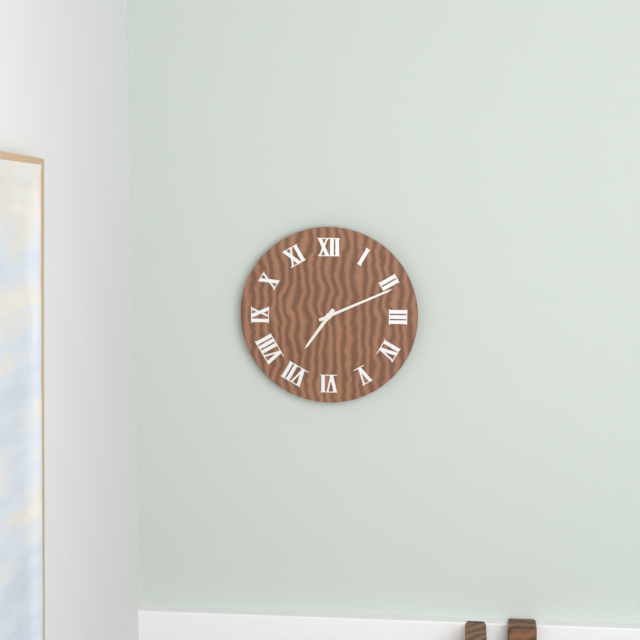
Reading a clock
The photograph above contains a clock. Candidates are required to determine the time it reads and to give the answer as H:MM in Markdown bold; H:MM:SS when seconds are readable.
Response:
**7:11**
